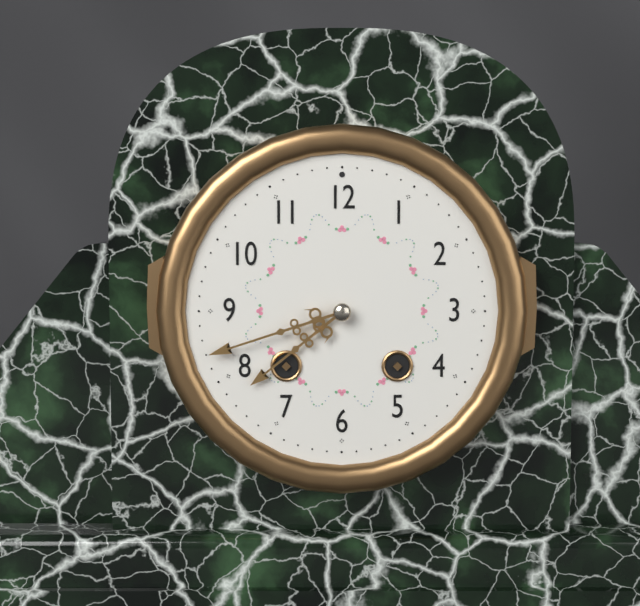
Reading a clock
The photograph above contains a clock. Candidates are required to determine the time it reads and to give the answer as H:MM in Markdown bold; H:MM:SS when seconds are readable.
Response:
**7:42**
